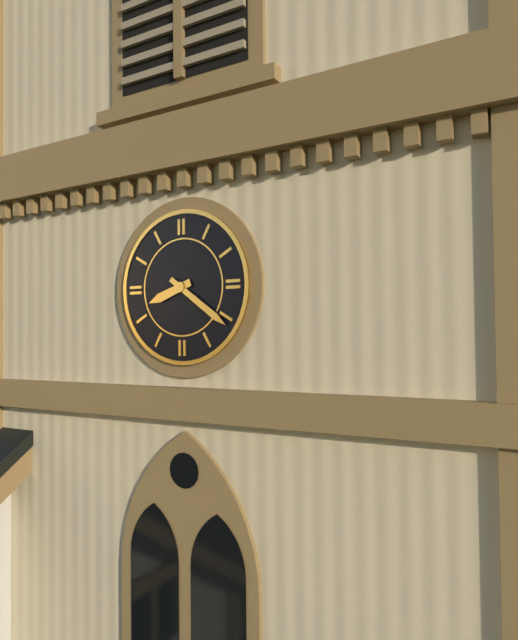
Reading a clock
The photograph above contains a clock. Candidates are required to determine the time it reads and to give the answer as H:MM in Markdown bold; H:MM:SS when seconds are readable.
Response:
**8:21**
